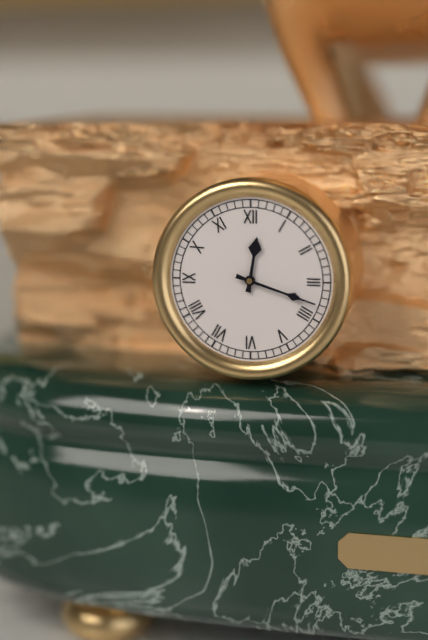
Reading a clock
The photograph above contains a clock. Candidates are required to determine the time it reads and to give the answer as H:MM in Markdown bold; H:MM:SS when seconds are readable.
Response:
**12:18**
